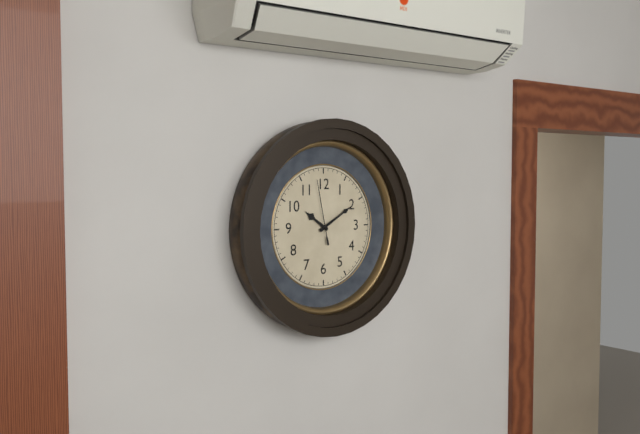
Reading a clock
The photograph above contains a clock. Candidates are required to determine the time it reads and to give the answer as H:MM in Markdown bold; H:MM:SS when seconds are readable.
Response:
**10:10:58**
